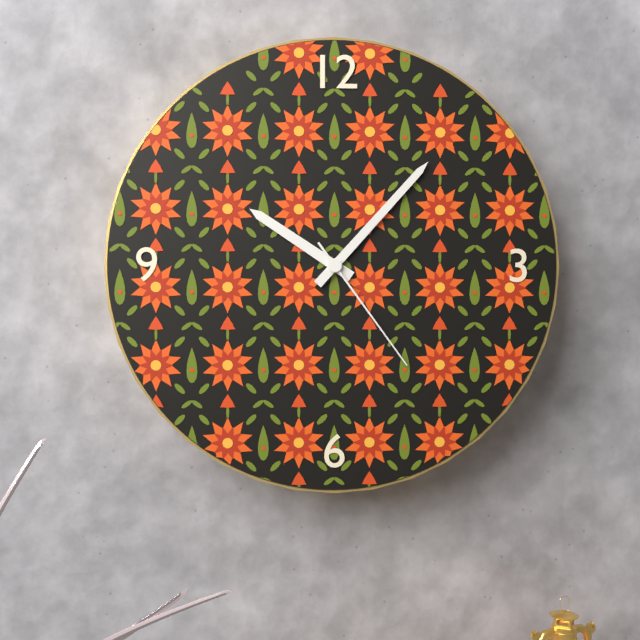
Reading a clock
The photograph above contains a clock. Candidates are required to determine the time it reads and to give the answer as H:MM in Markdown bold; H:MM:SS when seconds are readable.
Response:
**10:07:24**
